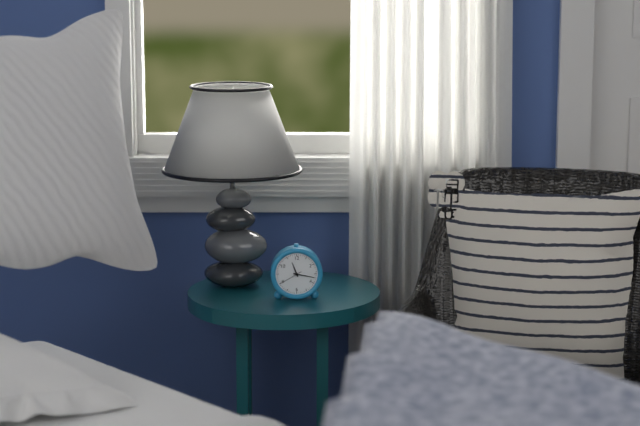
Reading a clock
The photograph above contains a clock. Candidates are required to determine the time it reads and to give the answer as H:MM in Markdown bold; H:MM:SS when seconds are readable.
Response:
**11:17**
